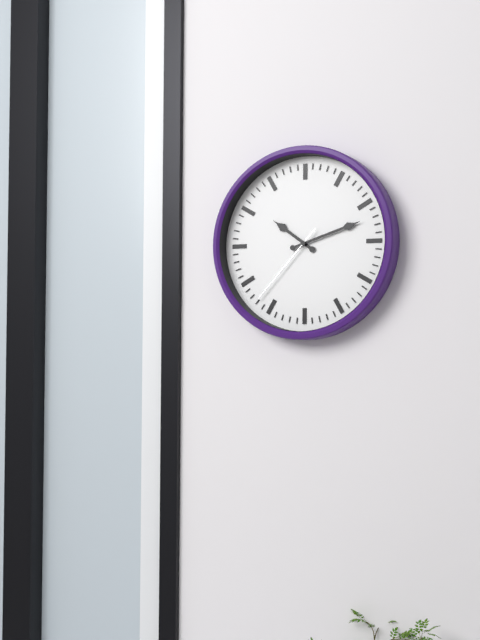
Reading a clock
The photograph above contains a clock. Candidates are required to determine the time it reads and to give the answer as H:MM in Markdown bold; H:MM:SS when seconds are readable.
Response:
**10:12:37**
